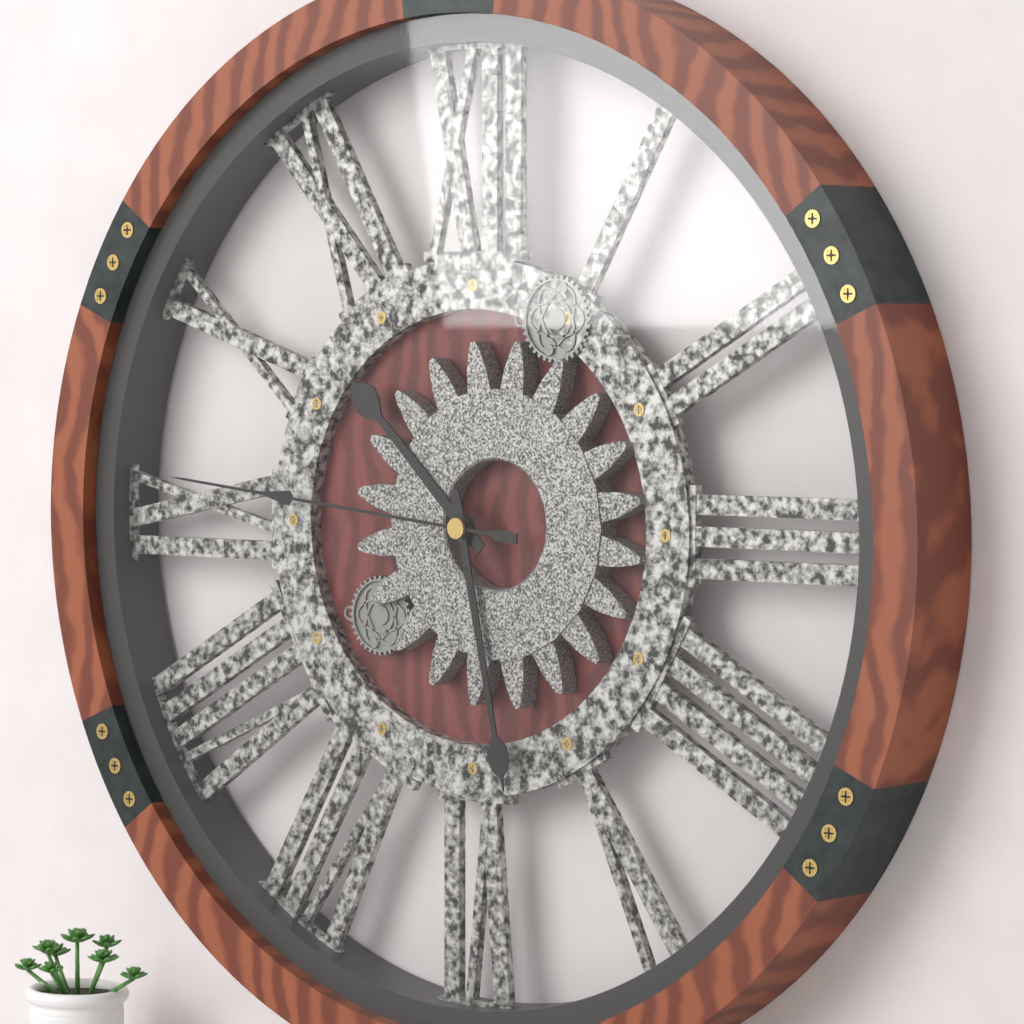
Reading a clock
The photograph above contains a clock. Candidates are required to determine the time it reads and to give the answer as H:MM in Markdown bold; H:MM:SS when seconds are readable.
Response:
**10:28:46**
